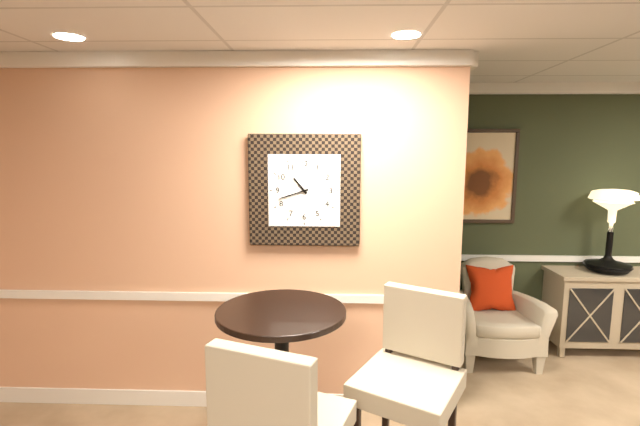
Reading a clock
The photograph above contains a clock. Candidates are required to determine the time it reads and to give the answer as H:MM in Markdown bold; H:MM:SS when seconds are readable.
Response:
**10:42**
